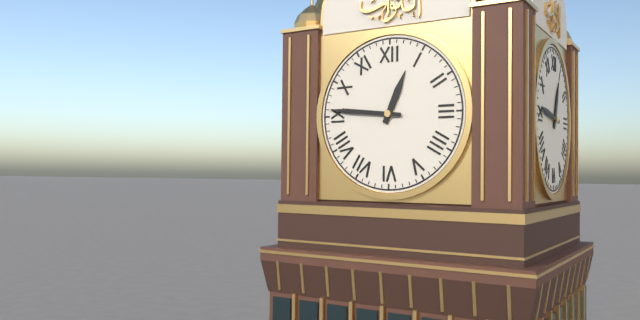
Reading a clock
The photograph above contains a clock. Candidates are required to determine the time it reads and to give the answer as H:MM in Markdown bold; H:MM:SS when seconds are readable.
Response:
**12:46**
